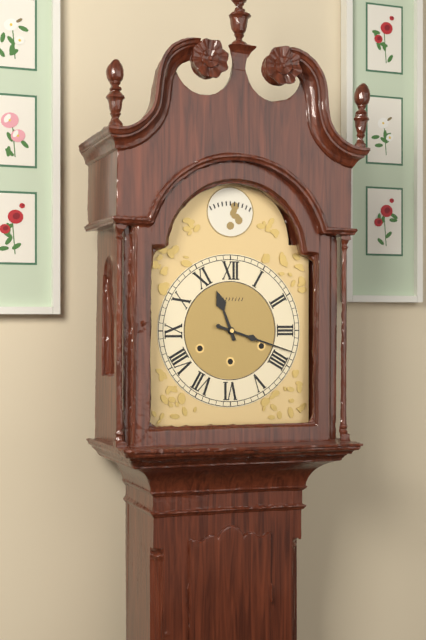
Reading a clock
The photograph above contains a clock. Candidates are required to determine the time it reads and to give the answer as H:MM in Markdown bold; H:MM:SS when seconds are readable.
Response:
**11:18**
